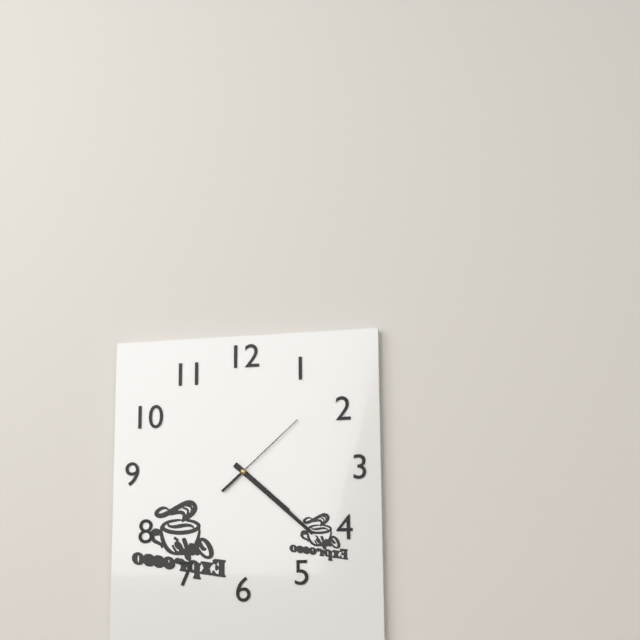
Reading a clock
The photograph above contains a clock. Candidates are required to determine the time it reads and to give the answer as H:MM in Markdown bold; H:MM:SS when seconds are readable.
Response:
**4:22:08**
